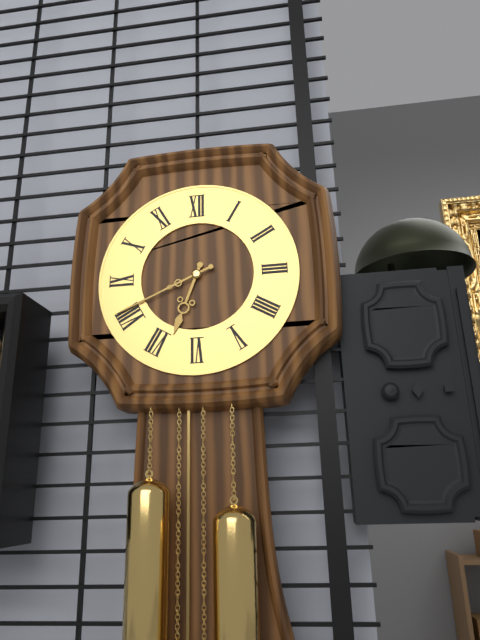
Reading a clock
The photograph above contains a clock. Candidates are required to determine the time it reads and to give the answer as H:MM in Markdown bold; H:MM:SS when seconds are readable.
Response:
**6:41**
